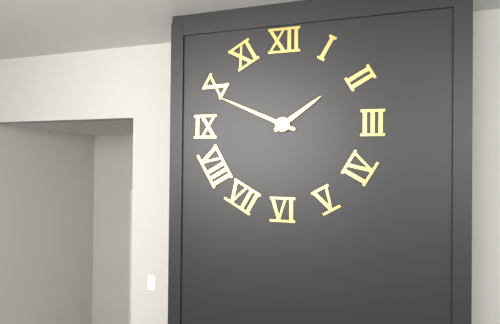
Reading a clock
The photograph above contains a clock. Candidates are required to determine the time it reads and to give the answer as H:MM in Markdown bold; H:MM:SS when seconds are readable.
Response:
**1:49**
